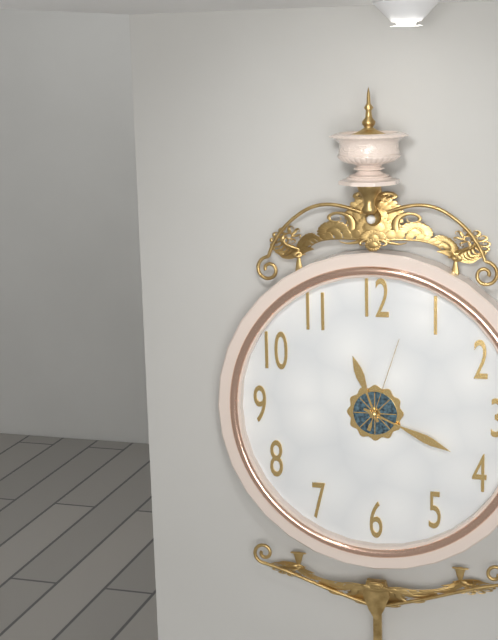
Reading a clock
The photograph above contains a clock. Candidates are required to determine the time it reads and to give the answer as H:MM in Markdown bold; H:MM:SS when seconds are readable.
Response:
**11:19:03**
